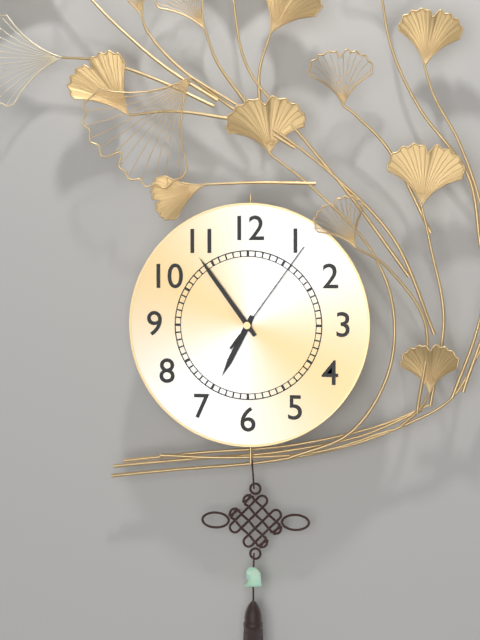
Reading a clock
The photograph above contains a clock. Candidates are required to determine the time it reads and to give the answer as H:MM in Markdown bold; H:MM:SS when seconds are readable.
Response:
**6:54:06**
